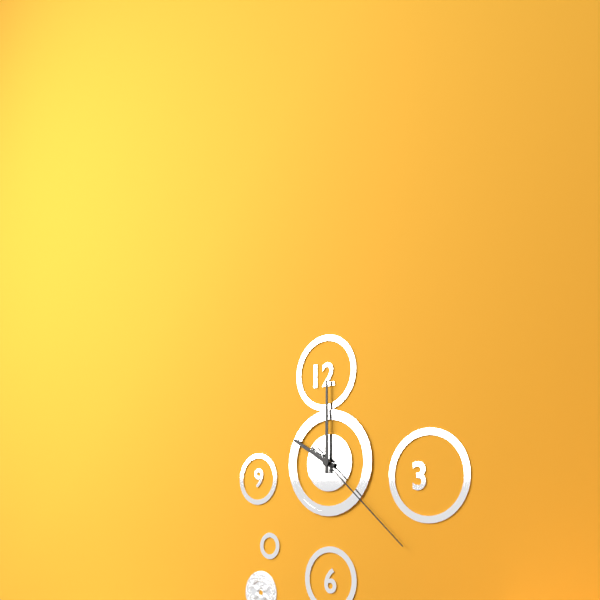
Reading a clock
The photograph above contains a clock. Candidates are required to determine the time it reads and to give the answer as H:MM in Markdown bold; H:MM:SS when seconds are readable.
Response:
**10:00:22**
